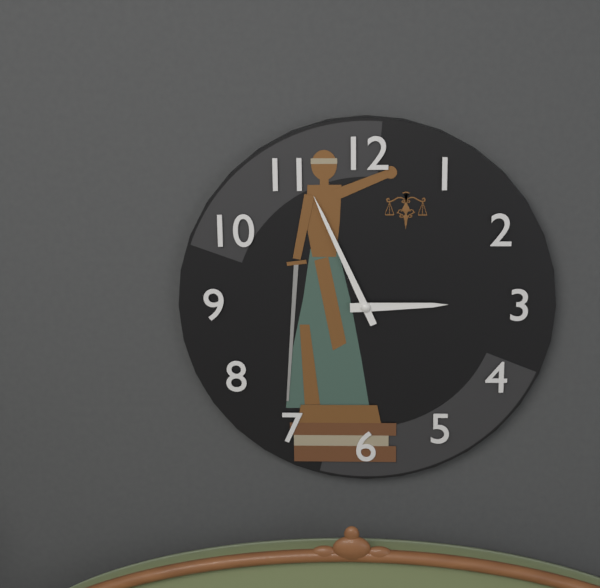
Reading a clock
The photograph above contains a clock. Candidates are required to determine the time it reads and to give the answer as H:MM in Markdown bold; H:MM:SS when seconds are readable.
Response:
**2:56**
